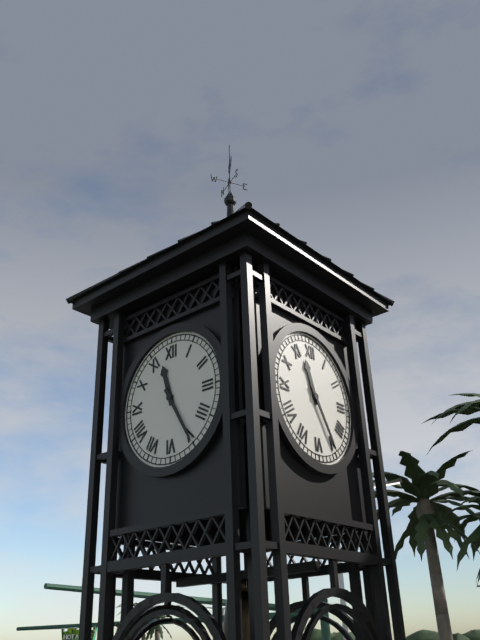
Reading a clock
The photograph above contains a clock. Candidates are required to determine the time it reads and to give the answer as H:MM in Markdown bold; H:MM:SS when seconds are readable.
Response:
**11:25**
